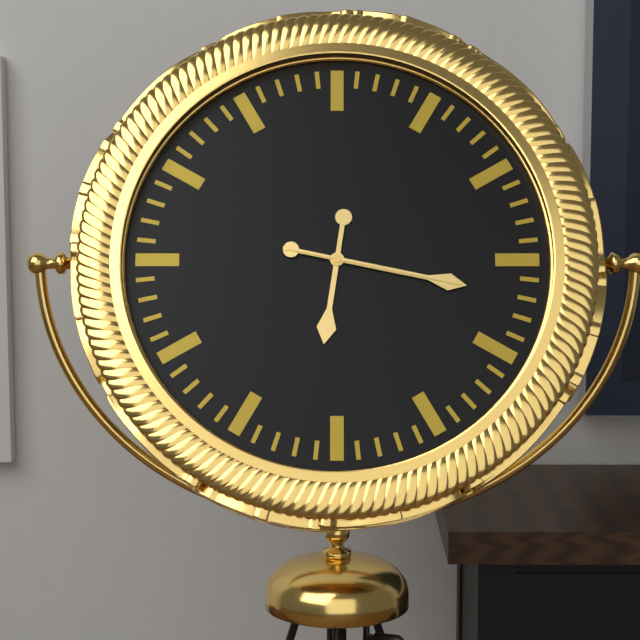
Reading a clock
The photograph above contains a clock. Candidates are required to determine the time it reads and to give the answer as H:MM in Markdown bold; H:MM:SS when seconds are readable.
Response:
**6:17:17**
